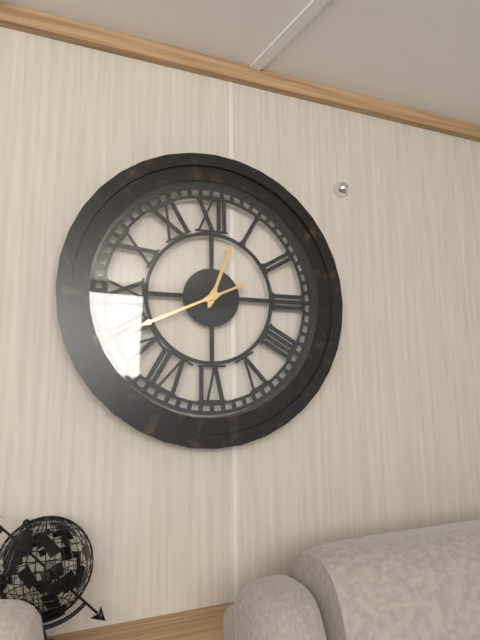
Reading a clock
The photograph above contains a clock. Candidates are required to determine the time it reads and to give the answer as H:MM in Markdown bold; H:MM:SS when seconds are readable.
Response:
**12:41**
